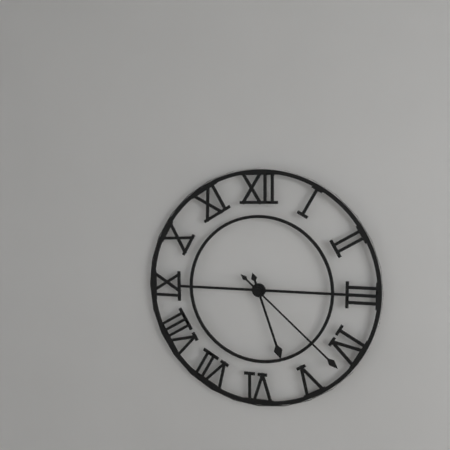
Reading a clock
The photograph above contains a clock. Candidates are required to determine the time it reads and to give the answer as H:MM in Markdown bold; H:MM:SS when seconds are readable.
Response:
**5:22**
